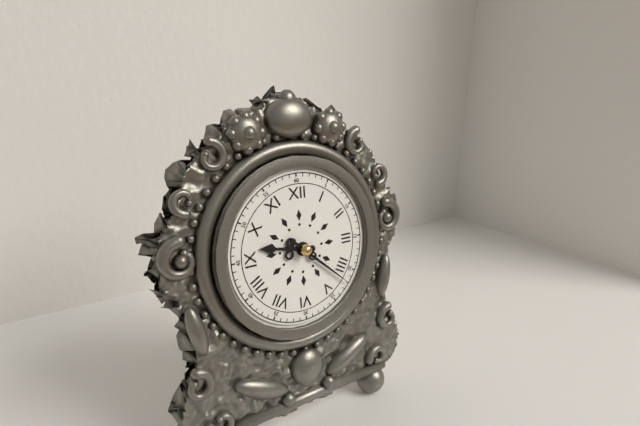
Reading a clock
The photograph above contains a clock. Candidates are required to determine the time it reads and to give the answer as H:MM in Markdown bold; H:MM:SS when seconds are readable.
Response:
**9:22**
